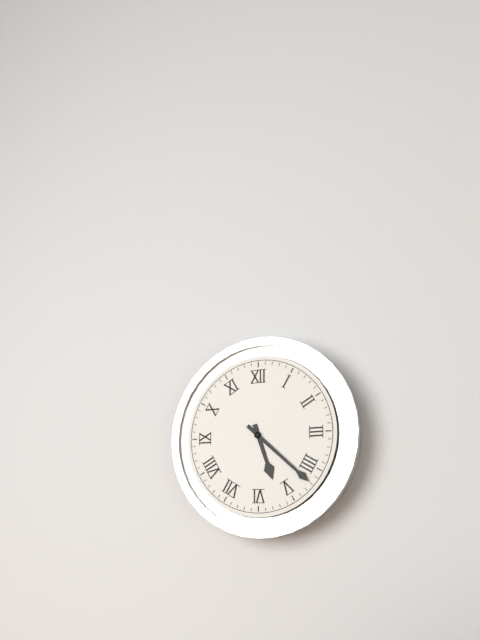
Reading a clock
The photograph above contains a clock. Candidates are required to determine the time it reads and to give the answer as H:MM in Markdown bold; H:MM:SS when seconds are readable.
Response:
**5:22**
